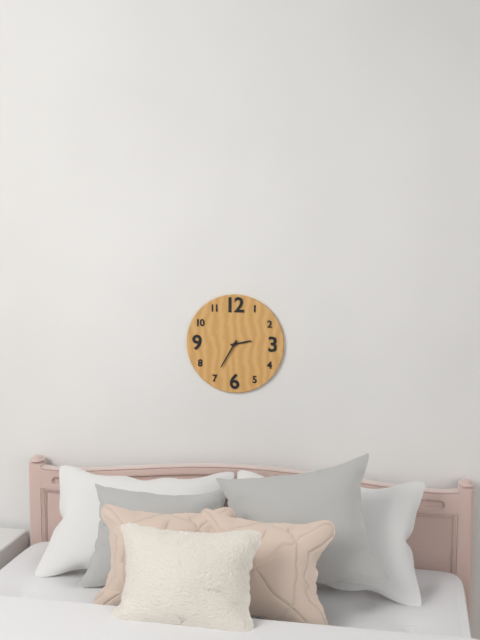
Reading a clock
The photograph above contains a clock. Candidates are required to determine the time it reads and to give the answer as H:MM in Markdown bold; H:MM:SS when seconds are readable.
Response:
**2:35**
